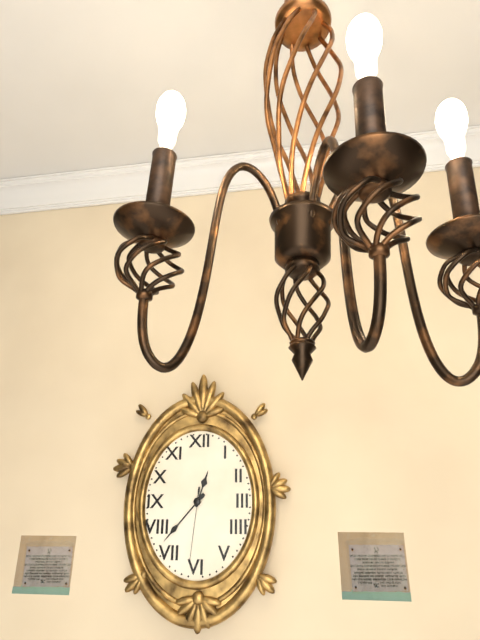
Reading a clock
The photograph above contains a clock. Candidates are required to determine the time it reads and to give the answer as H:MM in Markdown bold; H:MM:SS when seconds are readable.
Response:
**12:37:31**
